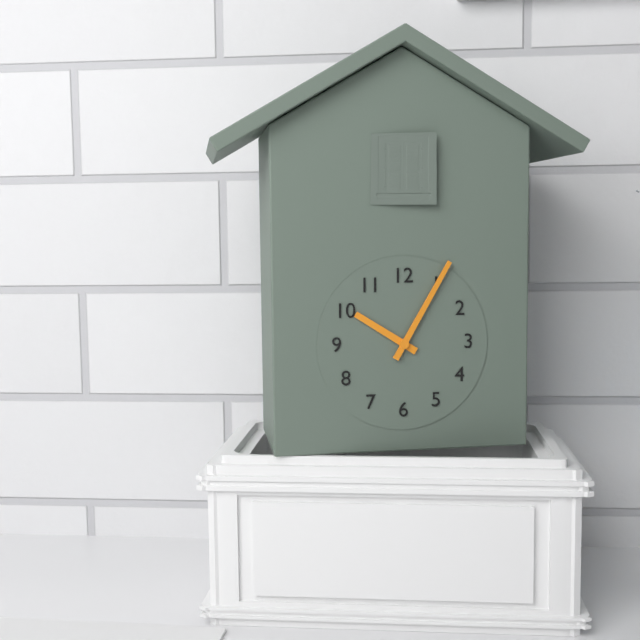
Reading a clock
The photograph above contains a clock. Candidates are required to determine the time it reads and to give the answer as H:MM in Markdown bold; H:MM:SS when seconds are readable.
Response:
**10:05**
